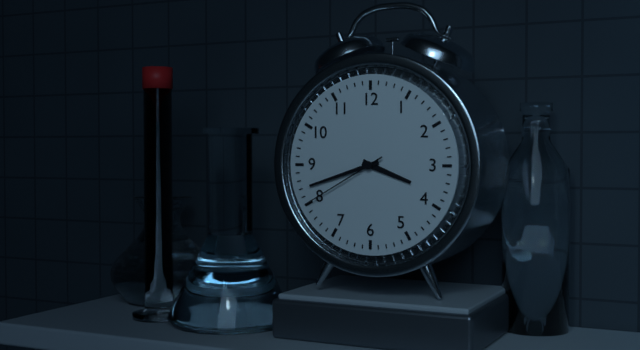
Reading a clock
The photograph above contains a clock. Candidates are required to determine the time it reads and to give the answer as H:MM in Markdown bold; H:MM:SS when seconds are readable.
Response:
**3:42:40**
